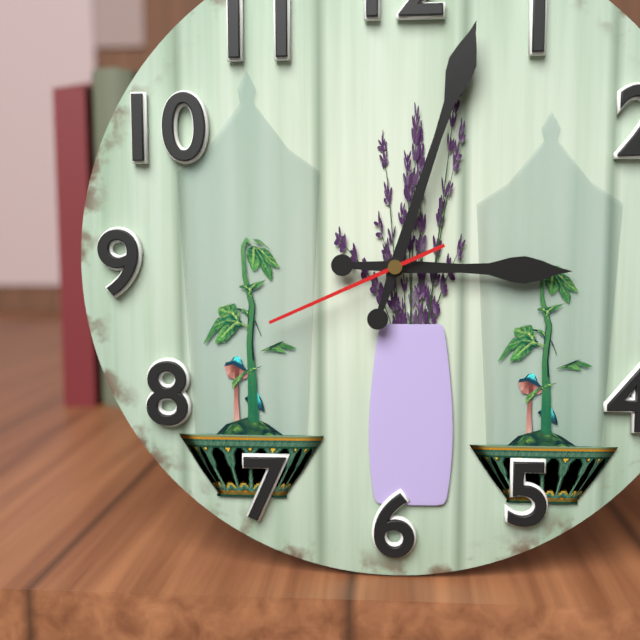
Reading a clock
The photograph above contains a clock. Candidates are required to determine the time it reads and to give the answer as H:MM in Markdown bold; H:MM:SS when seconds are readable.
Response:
**3:03:41**
